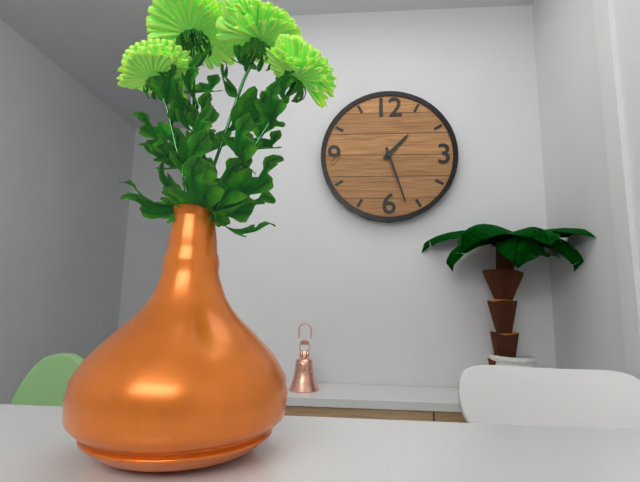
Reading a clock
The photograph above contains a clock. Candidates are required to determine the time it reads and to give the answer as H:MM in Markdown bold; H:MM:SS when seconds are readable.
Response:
**1:27**
